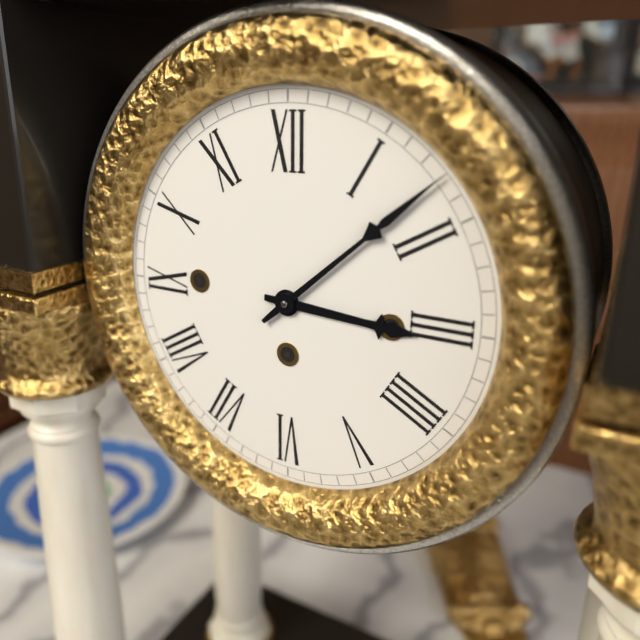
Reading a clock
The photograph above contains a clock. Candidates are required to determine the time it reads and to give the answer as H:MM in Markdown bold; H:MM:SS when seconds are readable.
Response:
**3:08**
